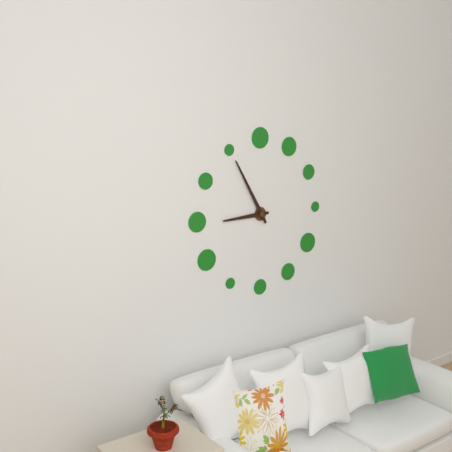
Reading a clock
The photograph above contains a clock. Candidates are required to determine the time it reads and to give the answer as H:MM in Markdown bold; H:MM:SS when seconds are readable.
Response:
**8:55**
